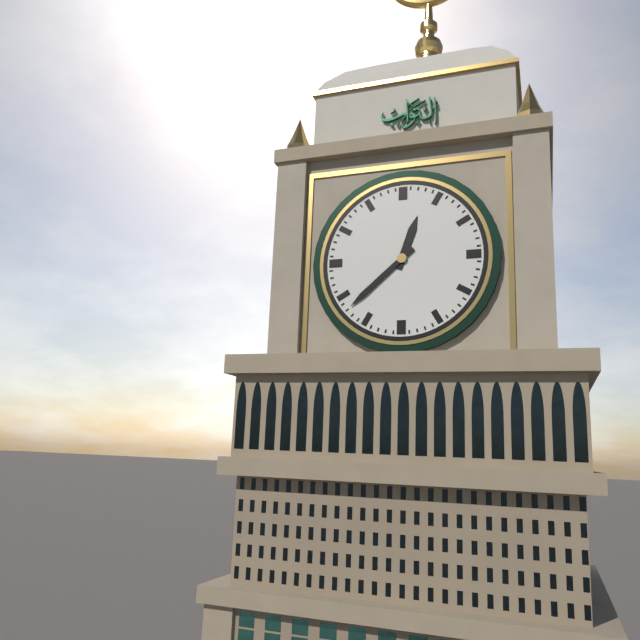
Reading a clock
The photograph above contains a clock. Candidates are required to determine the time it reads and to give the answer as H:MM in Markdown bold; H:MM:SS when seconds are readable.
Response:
**12:38**
